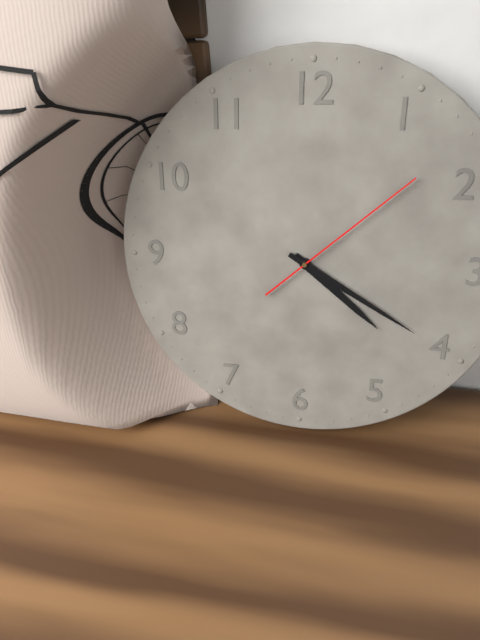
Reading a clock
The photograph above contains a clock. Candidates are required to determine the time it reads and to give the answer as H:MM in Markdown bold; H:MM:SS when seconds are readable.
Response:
**4:20:08**
